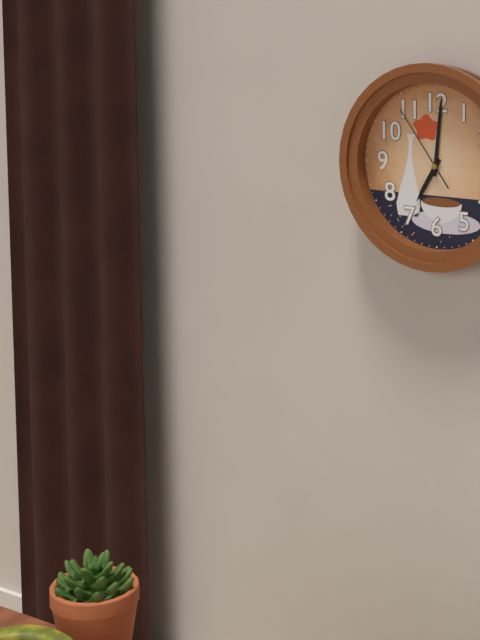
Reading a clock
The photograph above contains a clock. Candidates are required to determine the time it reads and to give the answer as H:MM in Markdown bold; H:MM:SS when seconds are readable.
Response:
**7:01:54**
